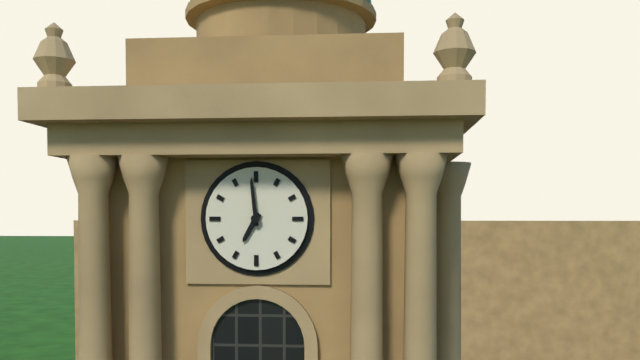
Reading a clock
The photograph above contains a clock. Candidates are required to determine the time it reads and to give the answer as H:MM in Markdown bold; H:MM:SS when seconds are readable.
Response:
**6:59**
